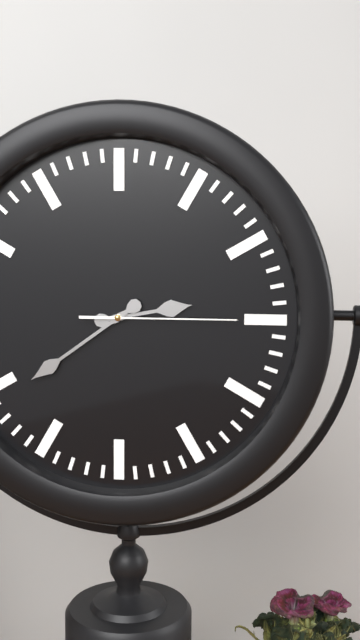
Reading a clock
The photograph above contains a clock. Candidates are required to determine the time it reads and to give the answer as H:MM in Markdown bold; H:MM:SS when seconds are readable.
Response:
**2:39:15**
